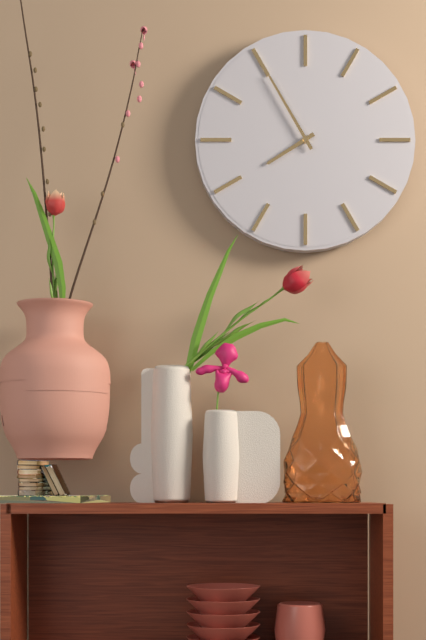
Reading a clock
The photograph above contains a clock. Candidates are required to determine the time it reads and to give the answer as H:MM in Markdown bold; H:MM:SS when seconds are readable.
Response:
**7:55**
